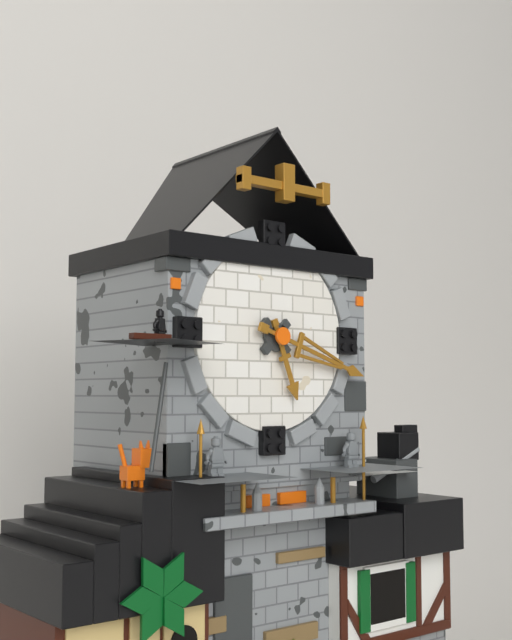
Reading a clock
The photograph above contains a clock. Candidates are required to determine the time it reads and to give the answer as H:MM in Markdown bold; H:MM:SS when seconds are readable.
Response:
**5:18**
